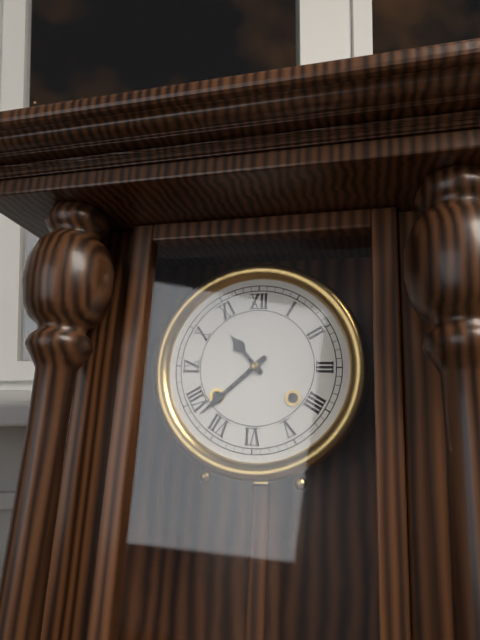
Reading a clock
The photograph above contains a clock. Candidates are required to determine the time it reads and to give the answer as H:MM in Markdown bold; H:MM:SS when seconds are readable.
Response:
**10:38**
